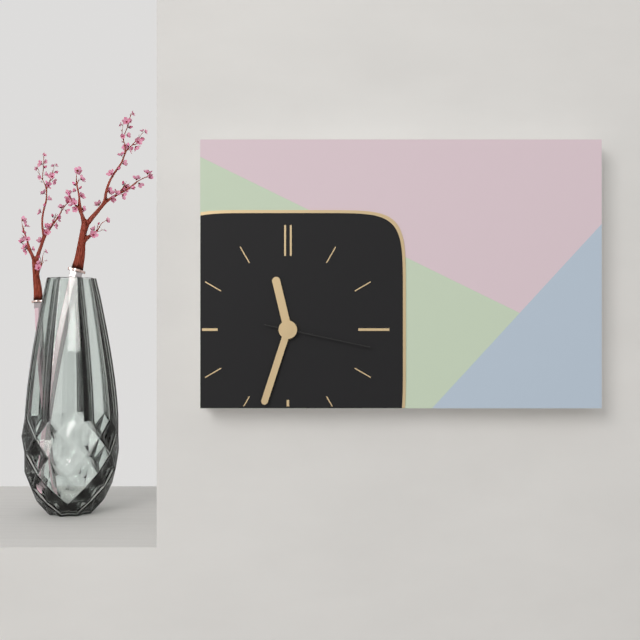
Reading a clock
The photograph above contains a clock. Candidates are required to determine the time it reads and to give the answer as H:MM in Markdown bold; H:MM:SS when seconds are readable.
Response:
**11:33:17**
